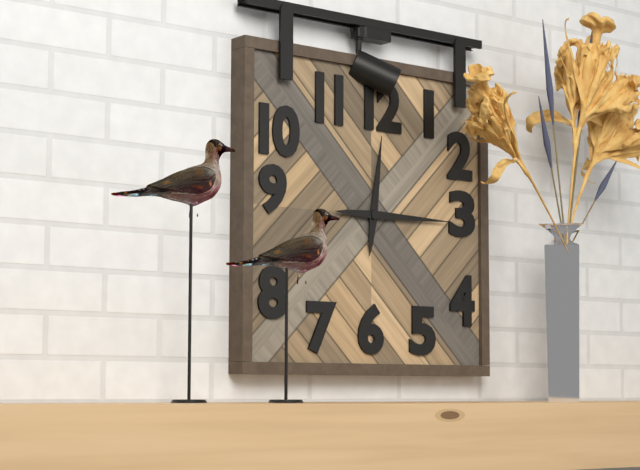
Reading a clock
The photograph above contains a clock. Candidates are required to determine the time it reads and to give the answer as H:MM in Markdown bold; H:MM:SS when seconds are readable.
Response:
**12:15**
